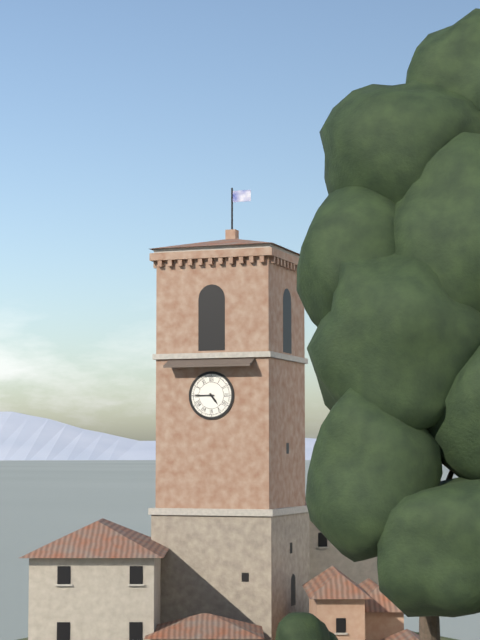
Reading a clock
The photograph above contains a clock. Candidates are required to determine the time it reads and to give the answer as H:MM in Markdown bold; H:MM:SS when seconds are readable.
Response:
**4:45**
